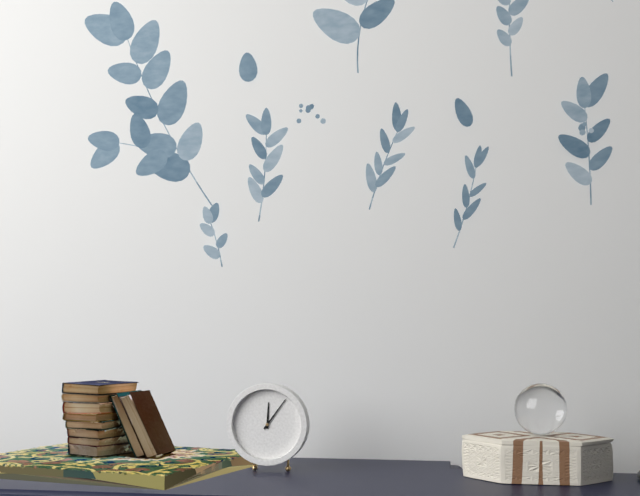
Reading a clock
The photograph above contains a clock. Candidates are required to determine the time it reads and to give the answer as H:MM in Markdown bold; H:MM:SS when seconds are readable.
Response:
**12:06**
